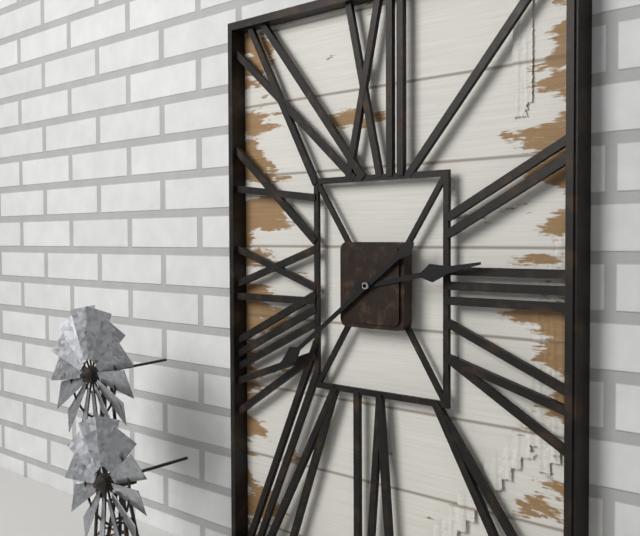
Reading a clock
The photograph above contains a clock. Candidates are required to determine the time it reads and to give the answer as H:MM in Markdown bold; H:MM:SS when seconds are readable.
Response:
**2:39**
